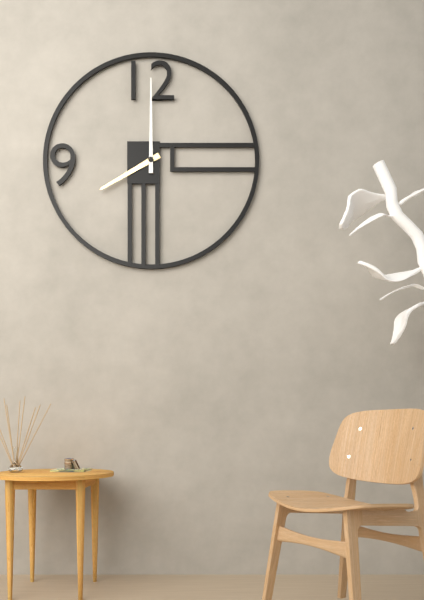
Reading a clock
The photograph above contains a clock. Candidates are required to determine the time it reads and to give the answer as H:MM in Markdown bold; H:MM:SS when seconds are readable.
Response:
**8:00**
